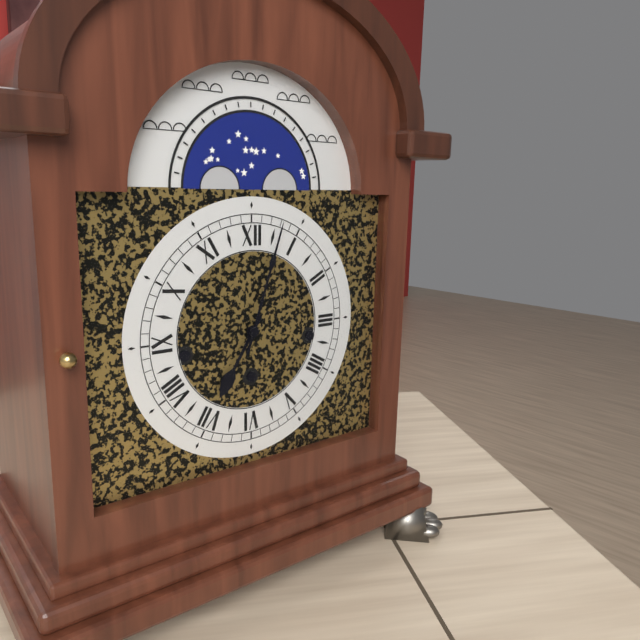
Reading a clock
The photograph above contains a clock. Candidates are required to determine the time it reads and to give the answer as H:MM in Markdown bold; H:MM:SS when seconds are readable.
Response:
**7:03**
